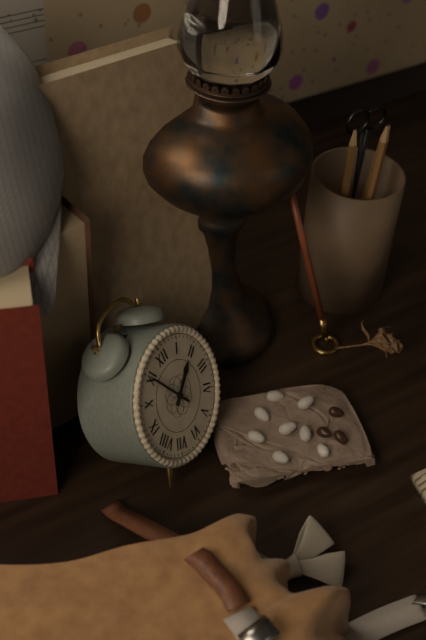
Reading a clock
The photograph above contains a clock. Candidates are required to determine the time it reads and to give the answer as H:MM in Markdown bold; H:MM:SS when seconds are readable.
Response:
**1:55**
